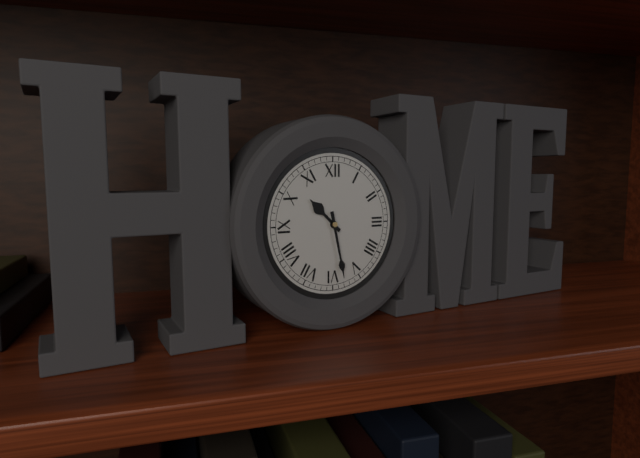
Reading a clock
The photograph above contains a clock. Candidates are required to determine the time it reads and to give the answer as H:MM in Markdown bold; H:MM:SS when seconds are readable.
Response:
**10:28**
